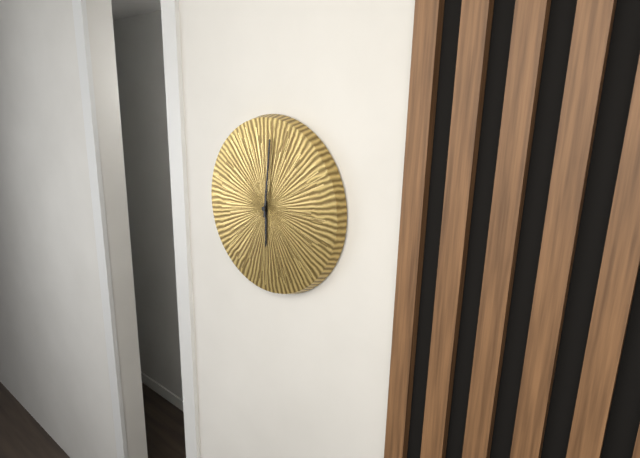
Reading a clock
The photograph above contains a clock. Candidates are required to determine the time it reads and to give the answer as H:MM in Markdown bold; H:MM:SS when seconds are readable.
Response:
**6:01**
